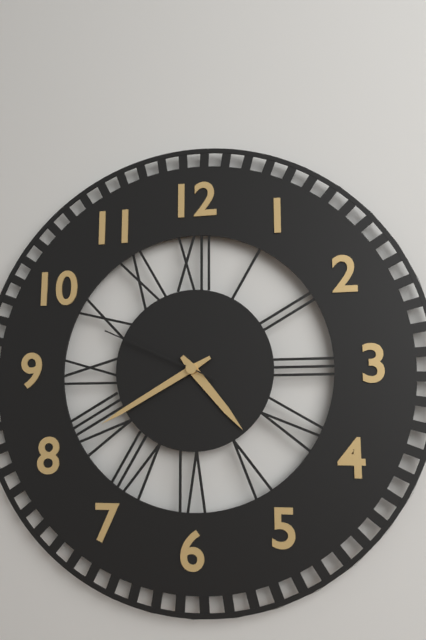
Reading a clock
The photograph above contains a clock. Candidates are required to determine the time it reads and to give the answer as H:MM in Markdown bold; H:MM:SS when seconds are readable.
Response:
**4:40:49**
